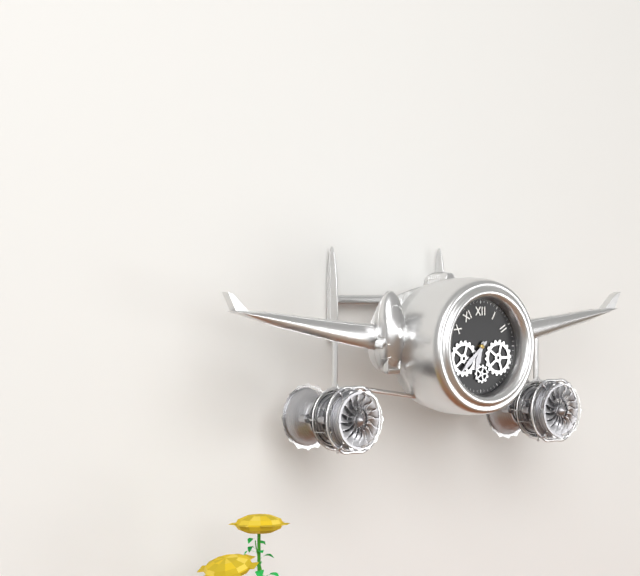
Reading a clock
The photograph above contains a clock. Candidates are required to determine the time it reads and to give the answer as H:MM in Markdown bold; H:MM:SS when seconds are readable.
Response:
**6:38**
